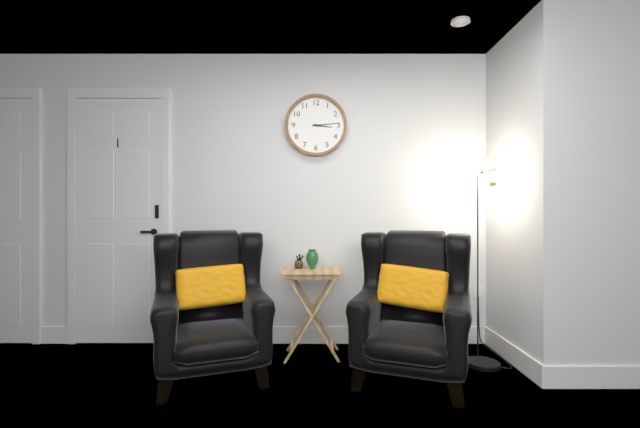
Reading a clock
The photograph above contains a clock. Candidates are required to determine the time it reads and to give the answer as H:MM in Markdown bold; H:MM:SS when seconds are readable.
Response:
**3:14**
